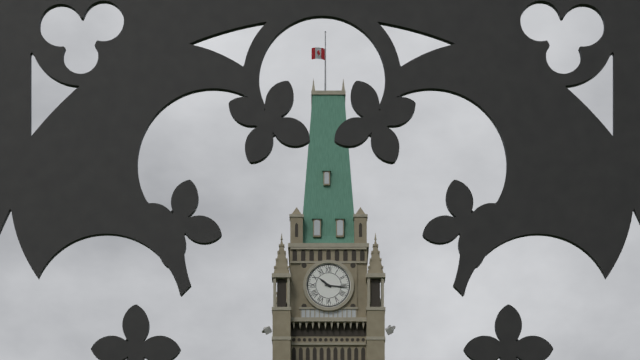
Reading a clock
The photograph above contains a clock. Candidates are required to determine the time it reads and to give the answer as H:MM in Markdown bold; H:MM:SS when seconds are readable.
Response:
**10:16**
